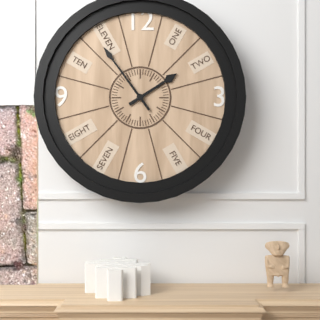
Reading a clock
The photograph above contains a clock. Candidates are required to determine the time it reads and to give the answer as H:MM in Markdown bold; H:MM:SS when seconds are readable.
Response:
**1:54**
